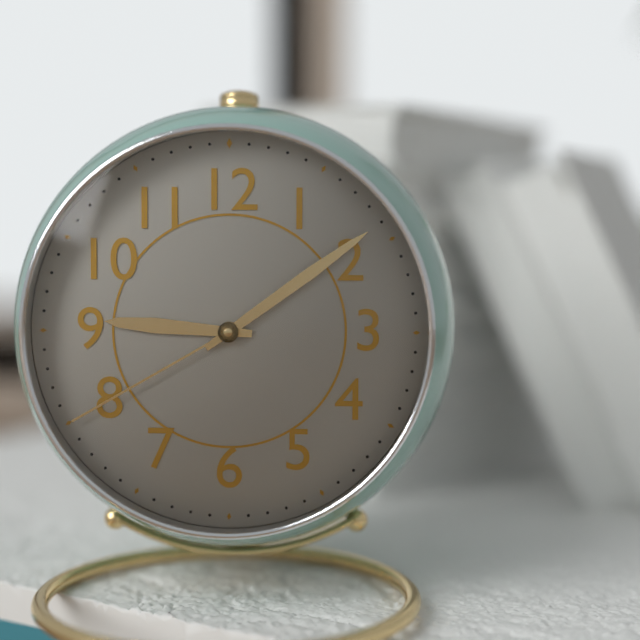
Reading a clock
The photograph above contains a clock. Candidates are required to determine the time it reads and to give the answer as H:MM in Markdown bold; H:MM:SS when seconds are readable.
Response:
**9:09:40**
